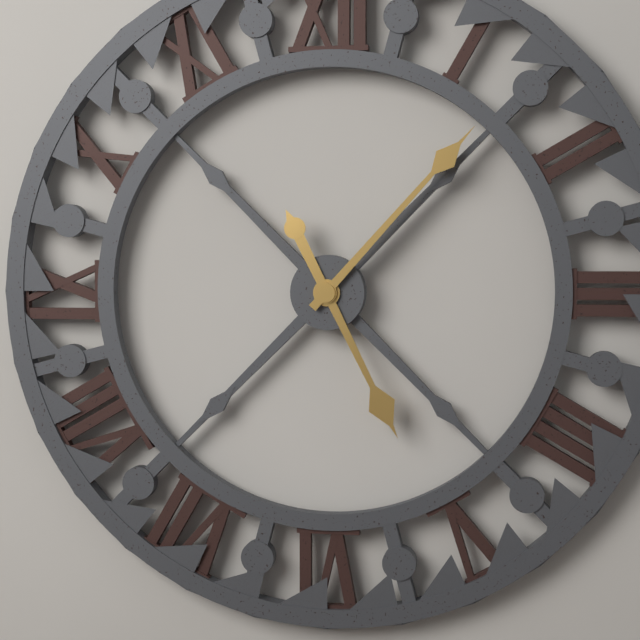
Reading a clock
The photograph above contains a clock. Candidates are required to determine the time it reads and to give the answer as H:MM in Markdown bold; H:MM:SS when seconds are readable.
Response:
**5:07**
